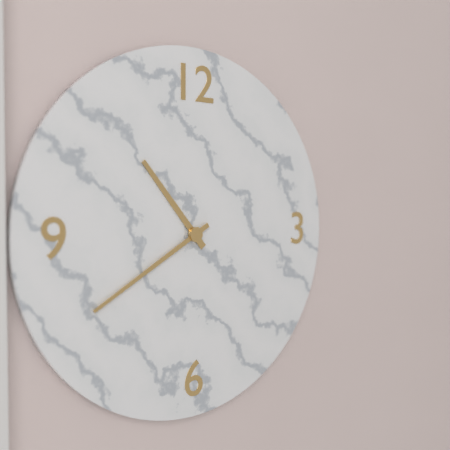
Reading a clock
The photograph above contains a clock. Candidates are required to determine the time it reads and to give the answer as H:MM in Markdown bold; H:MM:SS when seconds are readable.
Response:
**10:40**
